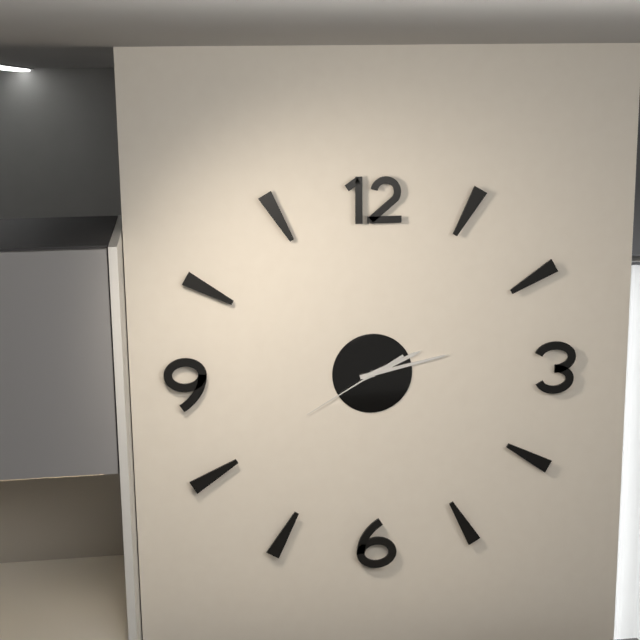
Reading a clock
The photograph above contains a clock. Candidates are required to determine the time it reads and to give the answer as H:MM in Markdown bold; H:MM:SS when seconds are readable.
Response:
**2:13:40**
